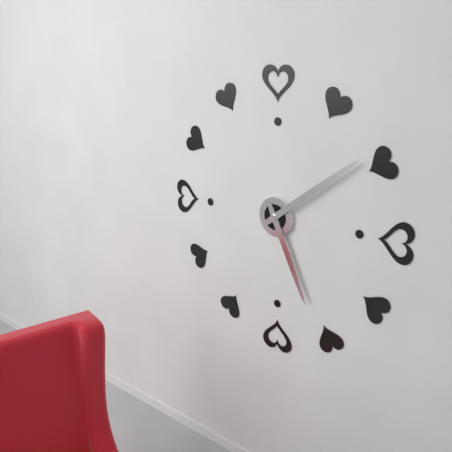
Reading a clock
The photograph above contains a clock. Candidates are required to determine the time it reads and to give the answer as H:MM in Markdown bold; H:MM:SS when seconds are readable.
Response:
**5:09**
